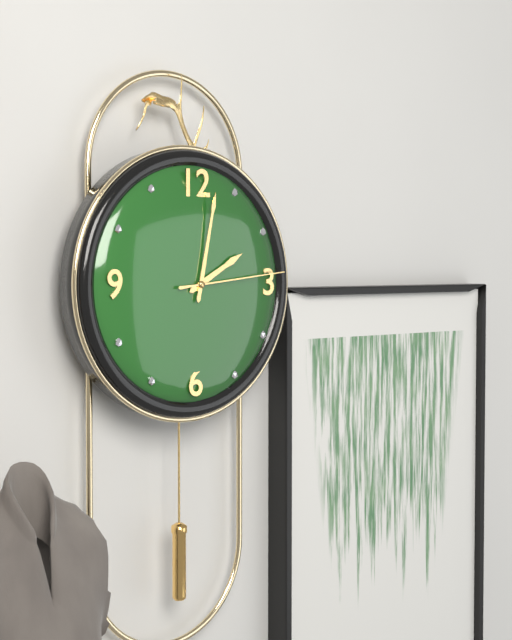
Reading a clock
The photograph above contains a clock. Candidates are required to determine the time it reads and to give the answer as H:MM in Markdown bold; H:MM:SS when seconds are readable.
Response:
**2:02:14**
